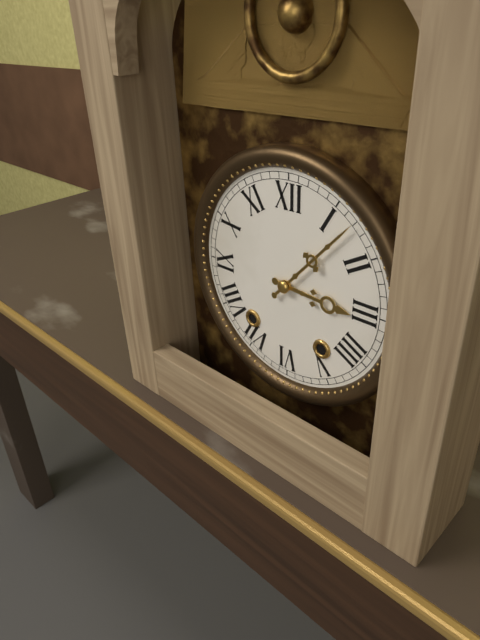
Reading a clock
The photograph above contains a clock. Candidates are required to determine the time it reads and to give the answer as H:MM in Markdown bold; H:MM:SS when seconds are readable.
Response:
**3:07**
